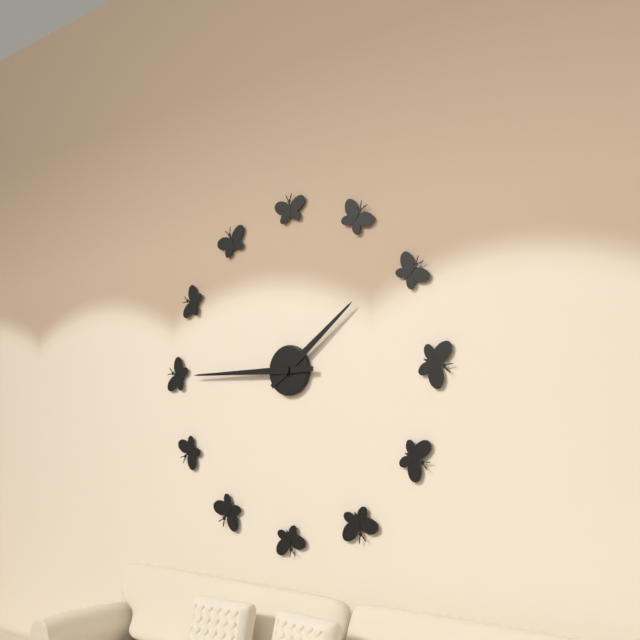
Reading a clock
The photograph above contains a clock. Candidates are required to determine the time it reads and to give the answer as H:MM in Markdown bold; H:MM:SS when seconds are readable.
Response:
**1:45**
